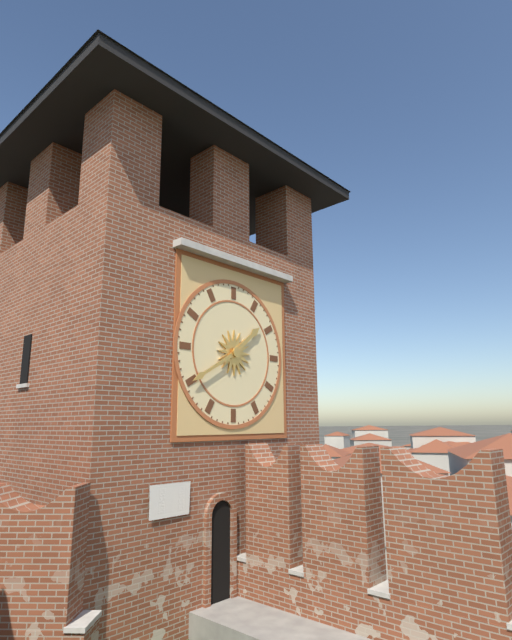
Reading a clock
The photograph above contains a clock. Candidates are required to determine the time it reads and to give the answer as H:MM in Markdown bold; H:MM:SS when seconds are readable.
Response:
**1:40**
